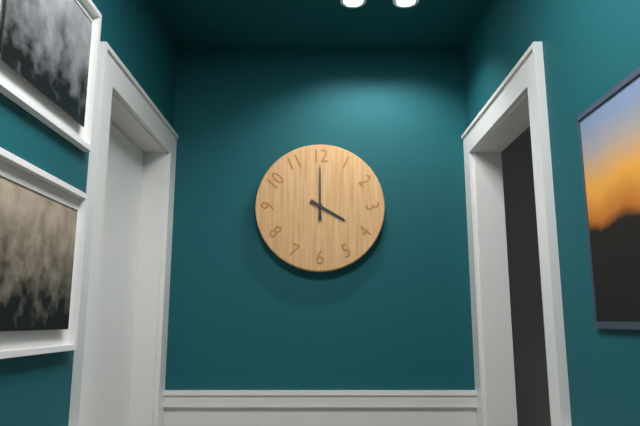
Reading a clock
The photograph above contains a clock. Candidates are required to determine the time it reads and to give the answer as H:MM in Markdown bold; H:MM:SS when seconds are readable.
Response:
**4:00**
